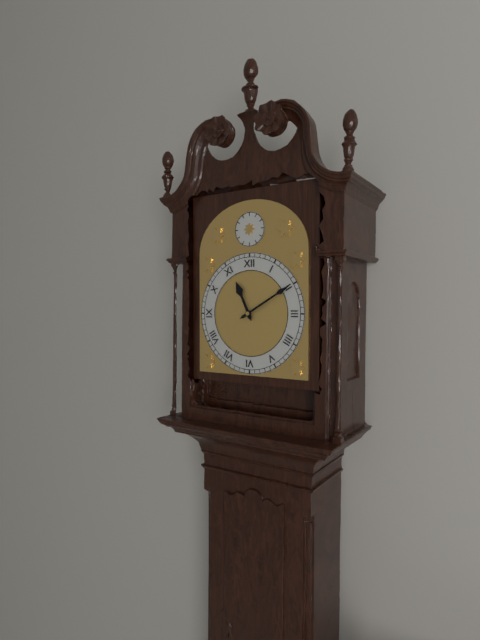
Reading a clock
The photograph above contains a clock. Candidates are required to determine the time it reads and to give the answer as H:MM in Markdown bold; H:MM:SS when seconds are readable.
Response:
**11:10**
